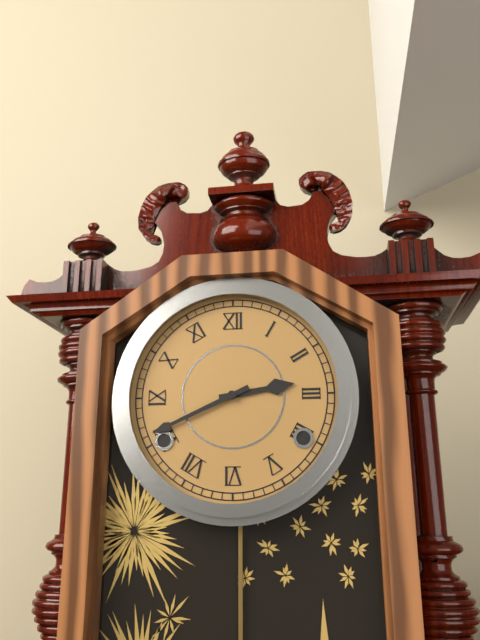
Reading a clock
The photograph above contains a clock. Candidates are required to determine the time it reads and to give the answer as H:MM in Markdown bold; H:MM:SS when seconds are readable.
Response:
**2:41**
